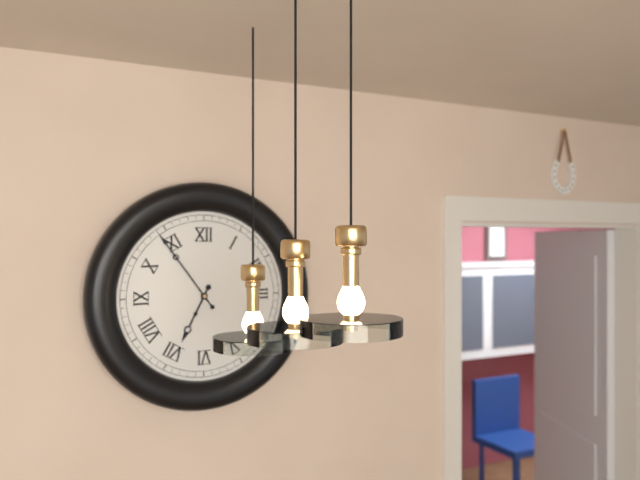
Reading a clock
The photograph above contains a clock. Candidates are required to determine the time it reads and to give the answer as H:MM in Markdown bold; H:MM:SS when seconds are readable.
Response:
**6:54**
